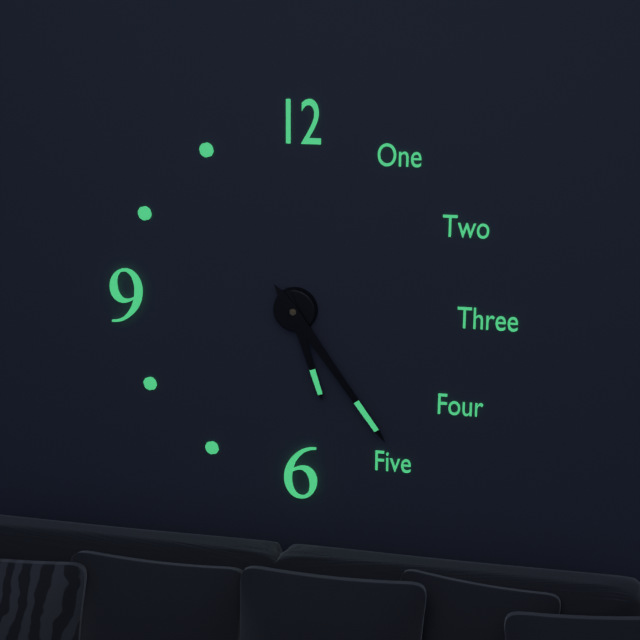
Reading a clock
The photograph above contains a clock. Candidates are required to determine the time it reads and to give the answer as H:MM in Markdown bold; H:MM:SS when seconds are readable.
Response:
**5:24**
